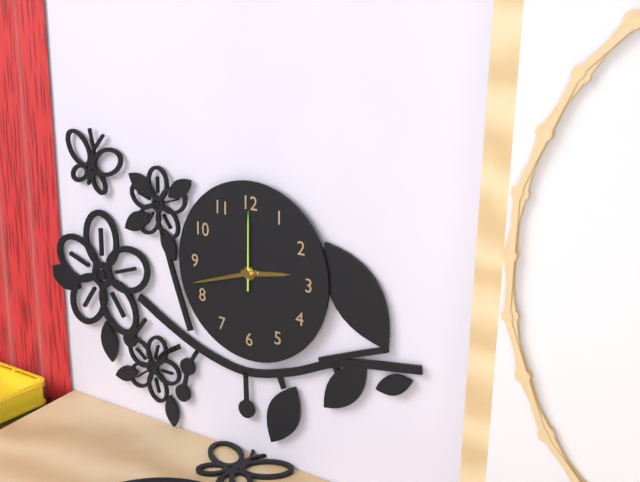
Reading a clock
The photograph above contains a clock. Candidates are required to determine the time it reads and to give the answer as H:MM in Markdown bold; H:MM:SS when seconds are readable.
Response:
**2:42:00**
